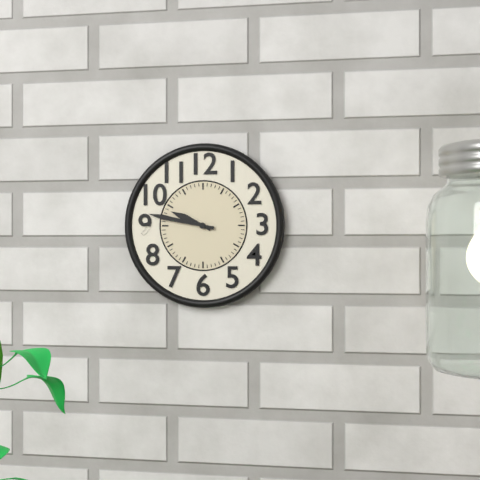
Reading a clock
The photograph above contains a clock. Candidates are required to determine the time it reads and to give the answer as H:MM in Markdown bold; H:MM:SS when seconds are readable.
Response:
**9:47**
